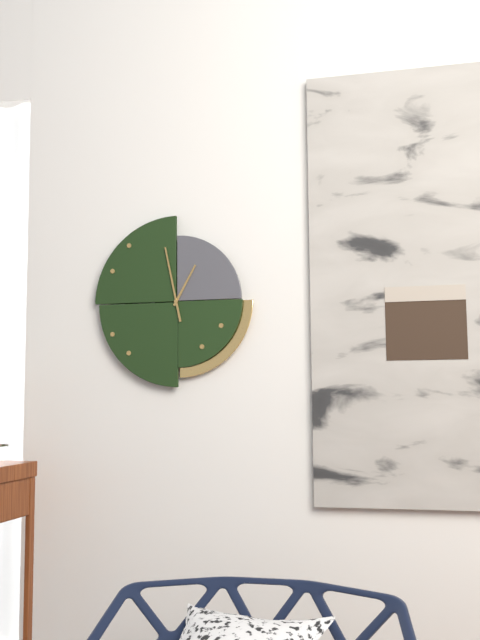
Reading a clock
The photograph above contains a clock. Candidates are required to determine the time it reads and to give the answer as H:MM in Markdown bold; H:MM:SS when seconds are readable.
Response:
**12:58**
